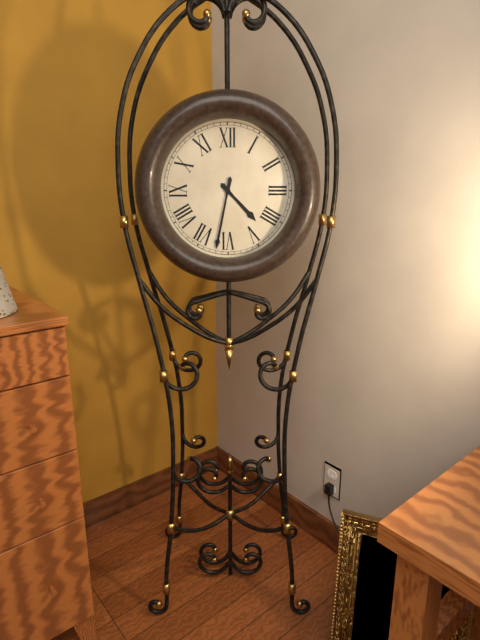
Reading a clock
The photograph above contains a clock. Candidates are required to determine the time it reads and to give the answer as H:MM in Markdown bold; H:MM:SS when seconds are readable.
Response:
**4:32**
